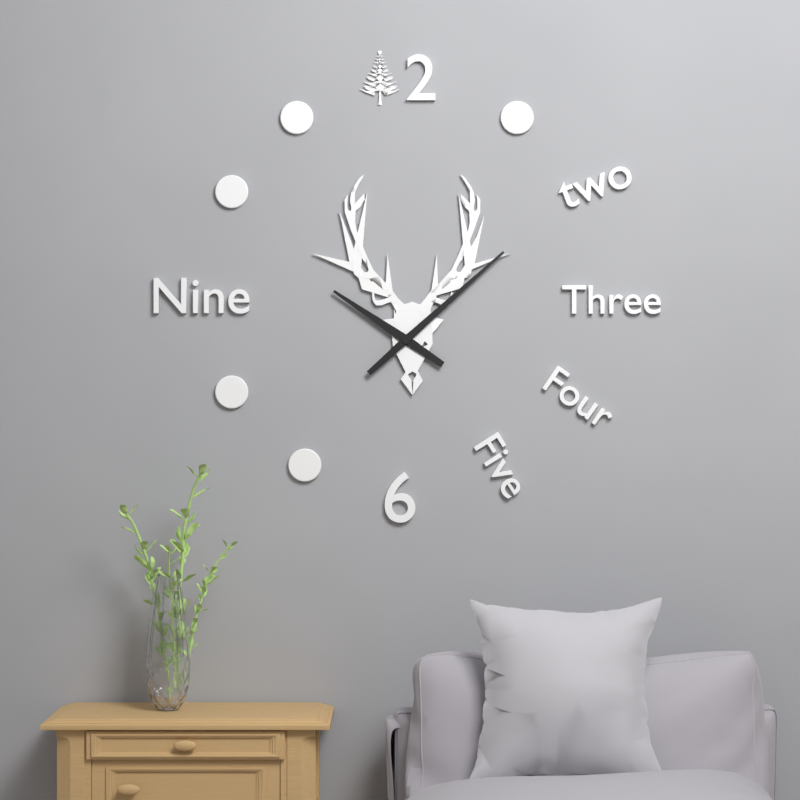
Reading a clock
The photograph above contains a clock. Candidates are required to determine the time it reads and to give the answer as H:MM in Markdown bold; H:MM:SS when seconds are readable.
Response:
**10:08**
